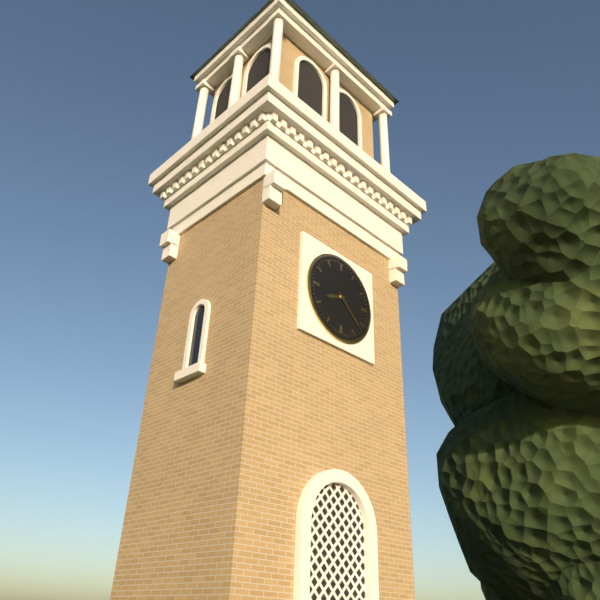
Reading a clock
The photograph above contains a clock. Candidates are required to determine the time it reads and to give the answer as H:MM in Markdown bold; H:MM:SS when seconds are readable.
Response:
**8:22**
